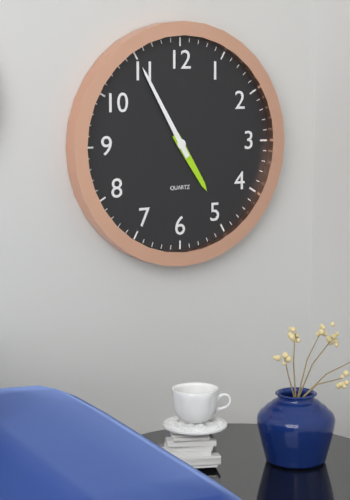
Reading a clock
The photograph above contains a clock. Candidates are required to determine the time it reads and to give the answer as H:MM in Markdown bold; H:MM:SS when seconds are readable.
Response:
**4:55**
